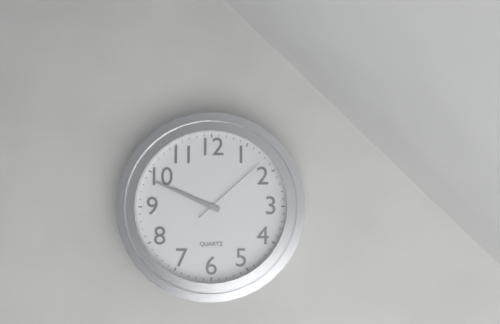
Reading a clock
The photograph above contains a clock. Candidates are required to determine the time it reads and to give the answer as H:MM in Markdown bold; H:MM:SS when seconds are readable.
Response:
**9:49:08**
